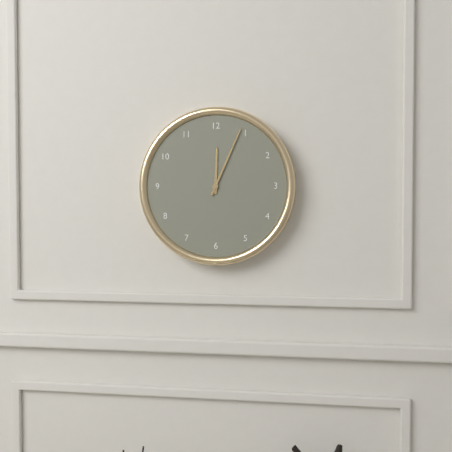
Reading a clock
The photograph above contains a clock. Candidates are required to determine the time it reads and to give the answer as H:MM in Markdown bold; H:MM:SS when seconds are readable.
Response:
**12:04**
